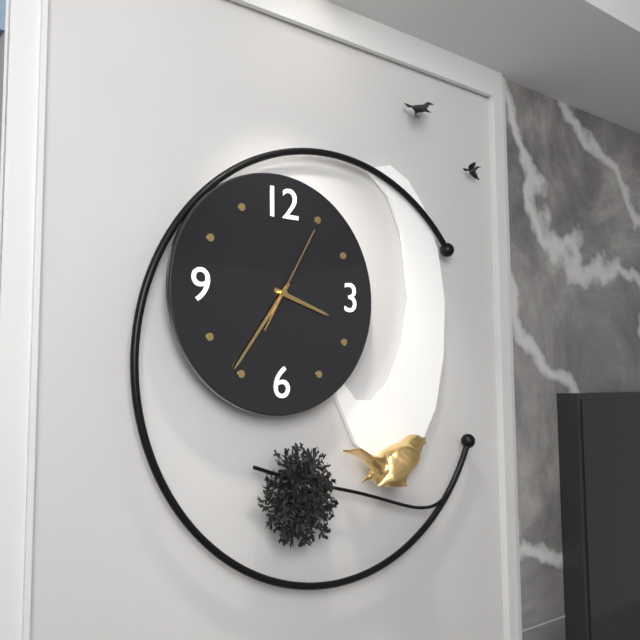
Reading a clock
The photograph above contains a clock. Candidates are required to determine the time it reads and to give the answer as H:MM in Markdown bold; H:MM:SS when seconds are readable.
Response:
**3:36:05**
